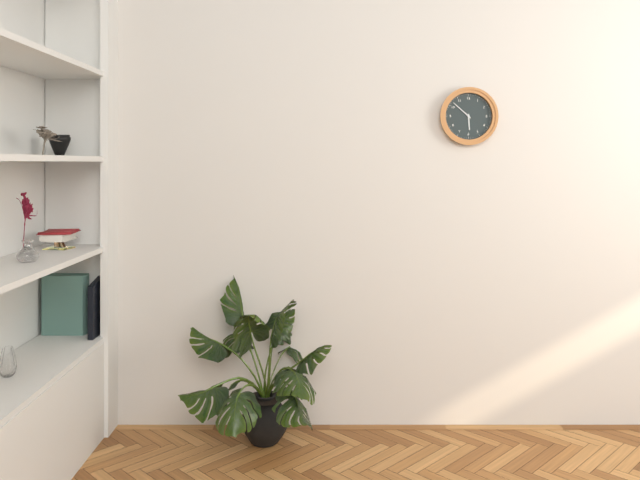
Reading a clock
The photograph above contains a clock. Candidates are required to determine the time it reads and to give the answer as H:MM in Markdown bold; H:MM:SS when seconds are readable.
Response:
**5:52**
